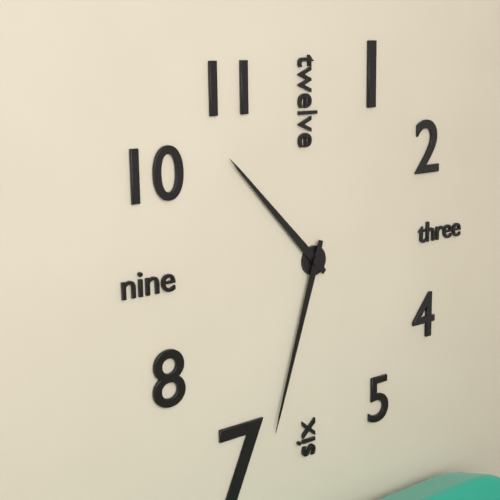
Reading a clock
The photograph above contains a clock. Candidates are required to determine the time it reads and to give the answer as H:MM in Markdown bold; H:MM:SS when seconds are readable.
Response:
**10:33**
